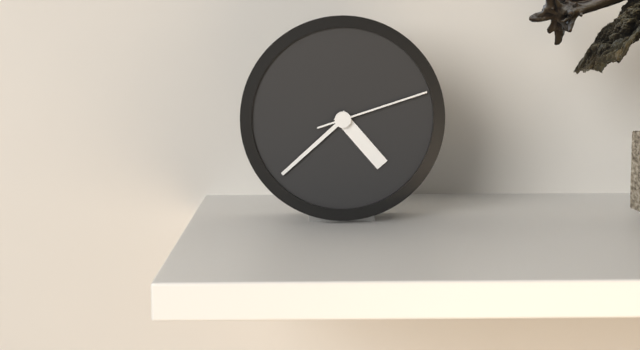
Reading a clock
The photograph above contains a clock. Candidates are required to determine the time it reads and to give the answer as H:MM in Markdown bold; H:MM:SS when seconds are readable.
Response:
**4:38:12**
